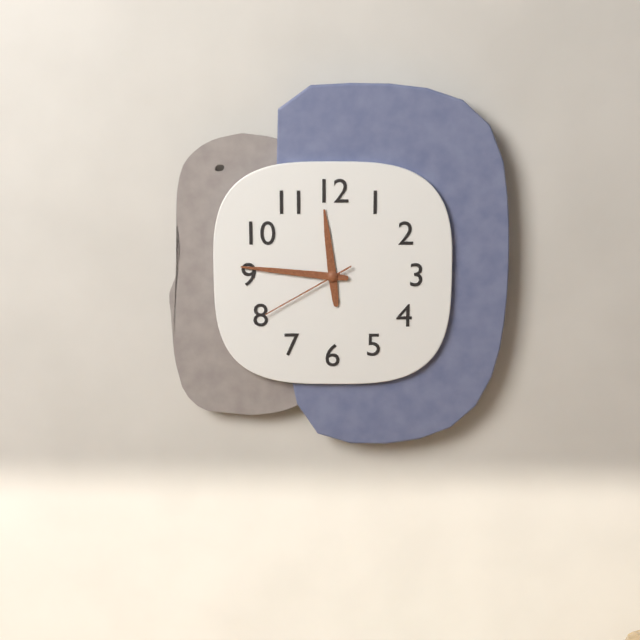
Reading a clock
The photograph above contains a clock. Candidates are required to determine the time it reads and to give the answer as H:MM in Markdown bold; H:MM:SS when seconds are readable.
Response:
**11:46:40**
